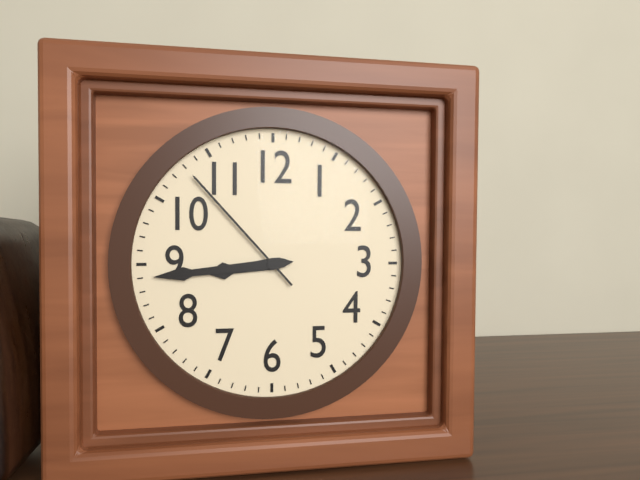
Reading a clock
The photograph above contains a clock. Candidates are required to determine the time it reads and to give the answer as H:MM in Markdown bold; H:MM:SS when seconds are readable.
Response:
**8:44:53**
